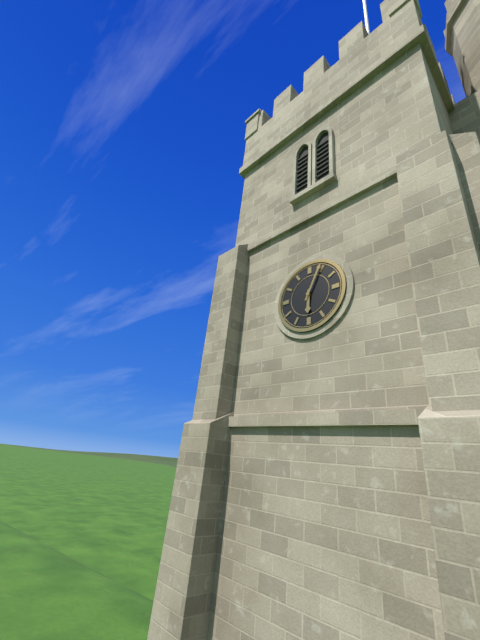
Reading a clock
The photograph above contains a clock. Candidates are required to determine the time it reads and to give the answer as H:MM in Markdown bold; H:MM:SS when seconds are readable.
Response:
**6:04**
